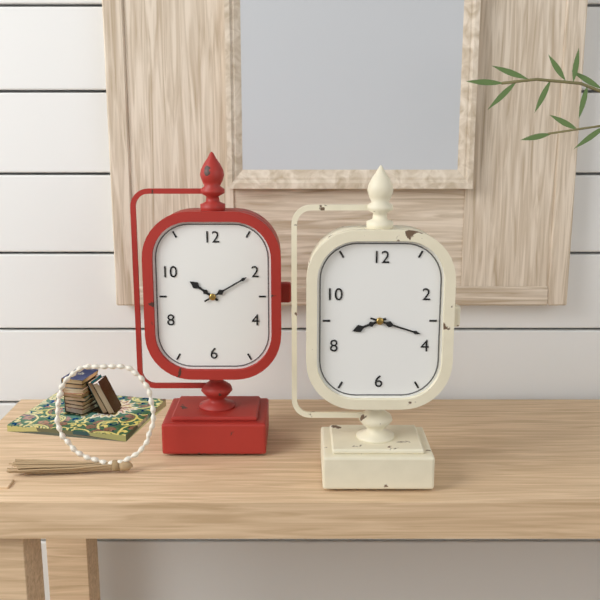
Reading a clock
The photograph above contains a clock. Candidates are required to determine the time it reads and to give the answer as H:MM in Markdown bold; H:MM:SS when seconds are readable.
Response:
**8:18**
